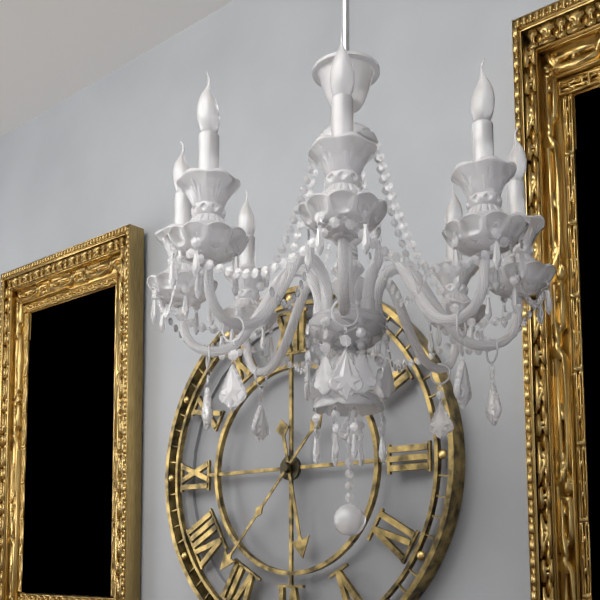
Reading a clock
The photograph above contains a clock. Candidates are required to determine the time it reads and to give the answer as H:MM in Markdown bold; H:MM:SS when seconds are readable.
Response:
**5:37**
